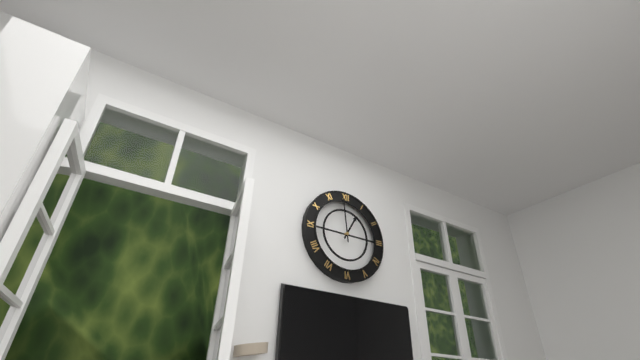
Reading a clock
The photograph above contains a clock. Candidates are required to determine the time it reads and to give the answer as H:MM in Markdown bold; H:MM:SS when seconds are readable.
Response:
**12:59**
